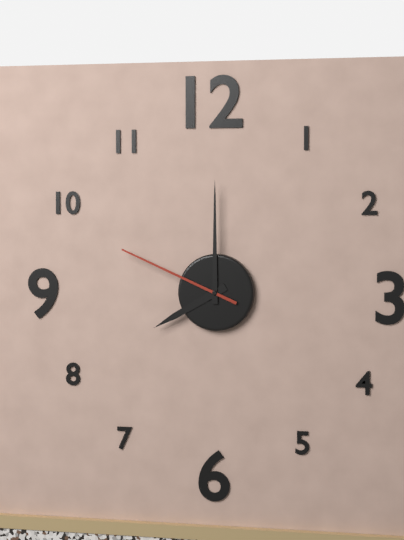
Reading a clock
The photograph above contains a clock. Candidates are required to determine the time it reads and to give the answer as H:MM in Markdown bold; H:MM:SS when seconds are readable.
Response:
**8:00:49**
